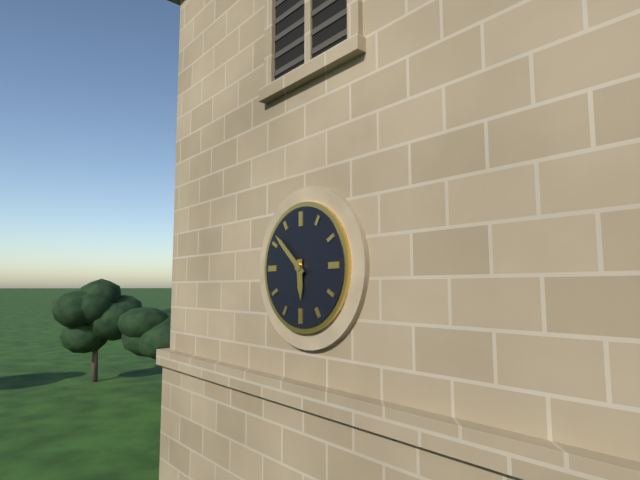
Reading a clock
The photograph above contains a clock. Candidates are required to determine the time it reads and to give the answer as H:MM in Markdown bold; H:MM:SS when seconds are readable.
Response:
**5:52**
